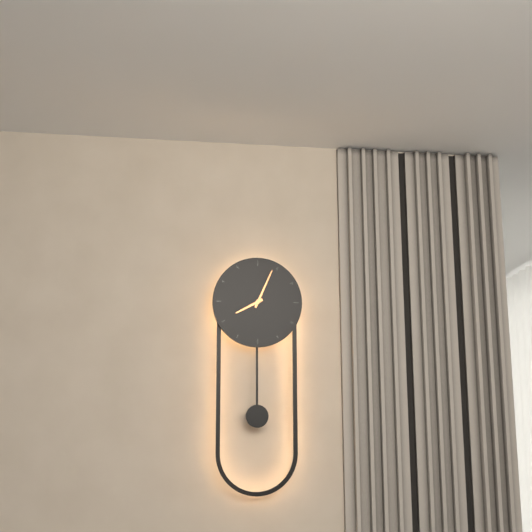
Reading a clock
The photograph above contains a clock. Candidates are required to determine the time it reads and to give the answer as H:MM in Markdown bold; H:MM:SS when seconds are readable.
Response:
**8:04**
